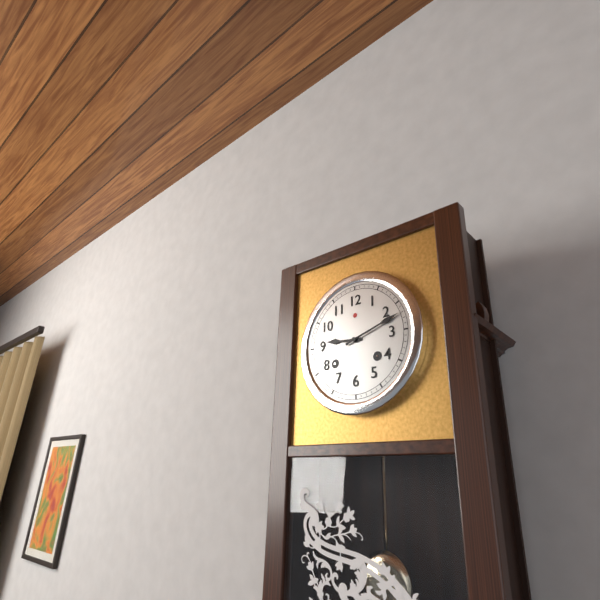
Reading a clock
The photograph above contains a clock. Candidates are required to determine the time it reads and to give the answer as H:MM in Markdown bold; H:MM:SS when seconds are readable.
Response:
**9:12**
